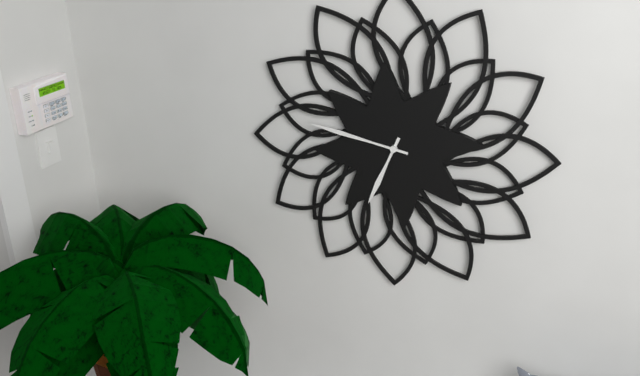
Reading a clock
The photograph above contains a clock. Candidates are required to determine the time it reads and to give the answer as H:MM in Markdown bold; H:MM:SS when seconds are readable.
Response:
**6:47**
